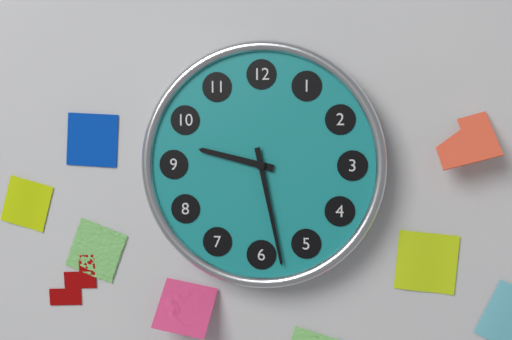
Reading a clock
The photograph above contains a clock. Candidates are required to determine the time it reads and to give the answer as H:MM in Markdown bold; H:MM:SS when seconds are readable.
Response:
**9:28**
